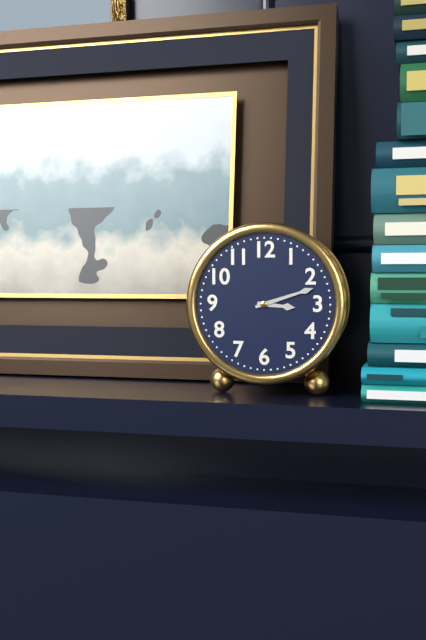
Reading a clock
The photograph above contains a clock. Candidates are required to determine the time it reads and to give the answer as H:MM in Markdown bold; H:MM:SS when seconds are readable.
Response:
**3:12**
